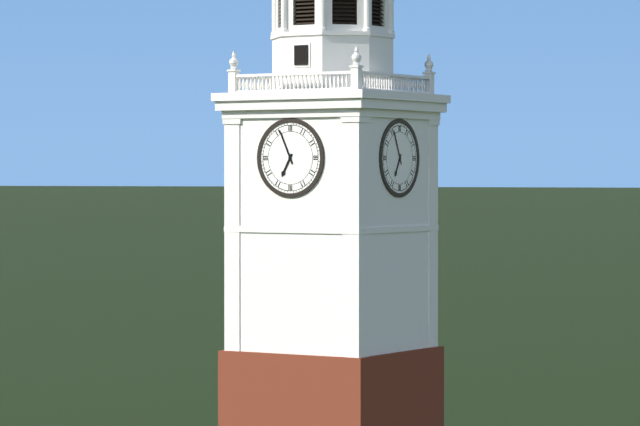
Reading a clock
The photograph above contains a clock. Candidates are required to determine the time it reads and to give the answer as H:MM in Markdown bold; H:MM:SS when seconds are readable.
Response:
**6:56**
